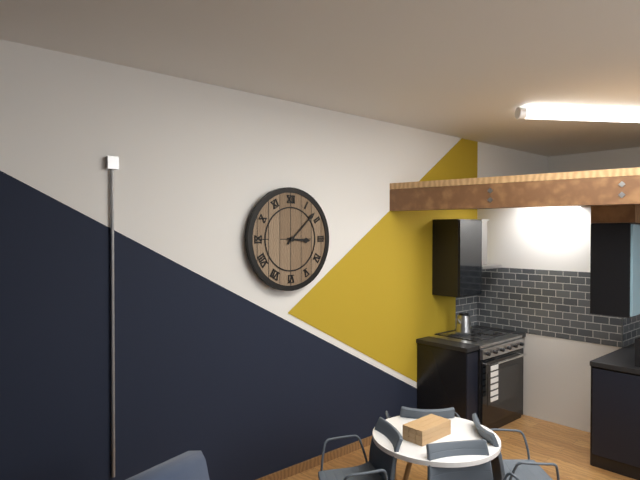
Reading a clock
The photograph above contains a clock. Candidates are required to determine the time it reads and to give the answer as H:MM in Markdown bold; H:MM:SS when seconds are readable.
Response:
**3:08**
